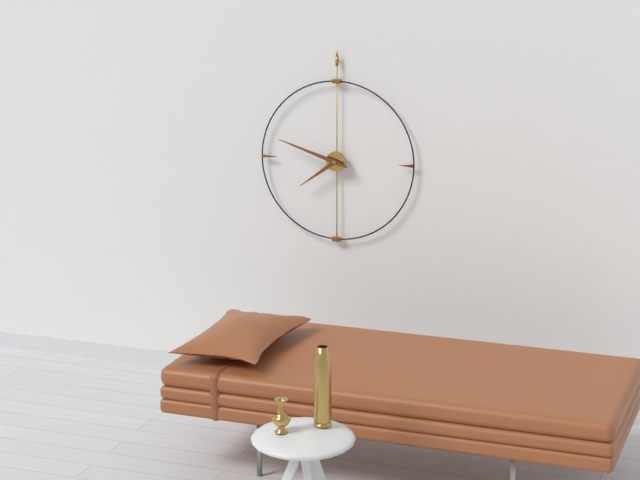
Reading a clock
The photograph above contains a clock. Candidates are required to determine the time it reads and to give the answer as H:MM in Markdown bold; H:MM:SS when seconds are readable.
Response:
**7:48**
